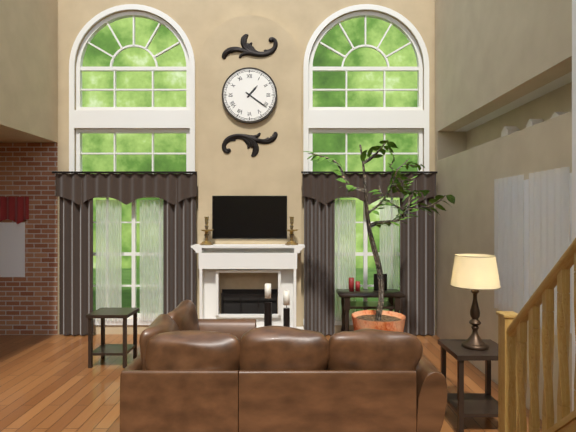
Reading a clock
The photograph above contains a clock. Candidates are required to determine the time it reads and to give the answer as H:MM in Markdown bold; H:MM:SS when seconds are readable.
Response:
**1:21**
